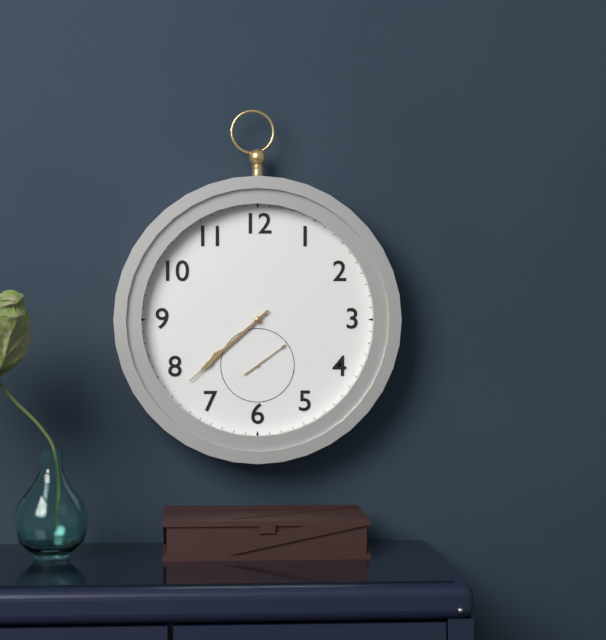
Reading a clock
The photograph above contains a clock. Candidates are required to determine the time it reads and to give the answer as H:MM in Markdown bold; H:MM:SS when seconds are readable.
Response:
**7:38**
